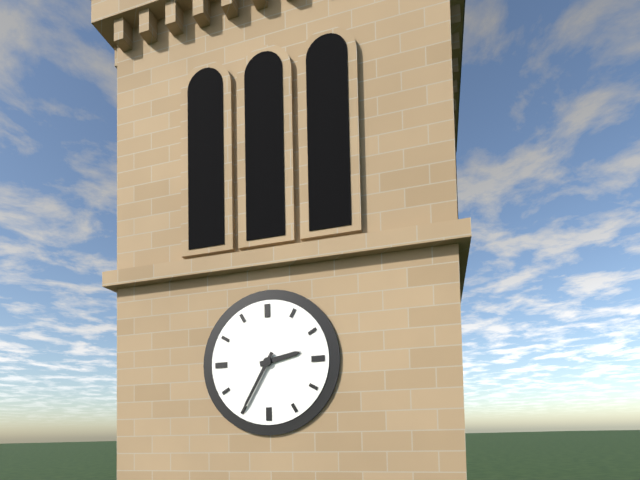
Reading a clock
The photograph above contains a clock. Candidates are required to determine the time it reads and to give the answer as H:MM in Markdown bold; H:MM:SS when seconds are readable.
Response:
**2:35**
